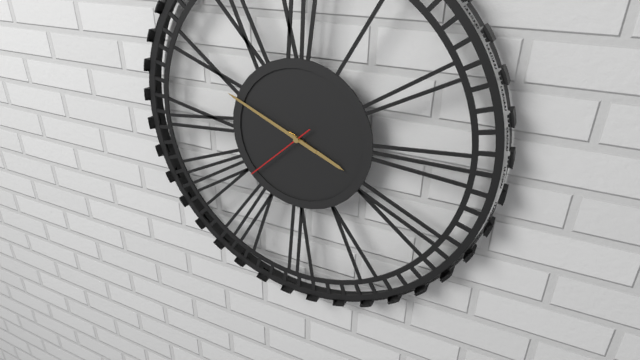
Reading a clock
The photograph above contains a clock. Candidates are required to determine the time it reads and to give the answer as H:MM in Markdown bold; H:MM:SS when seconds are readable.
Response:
**3:49:38**
